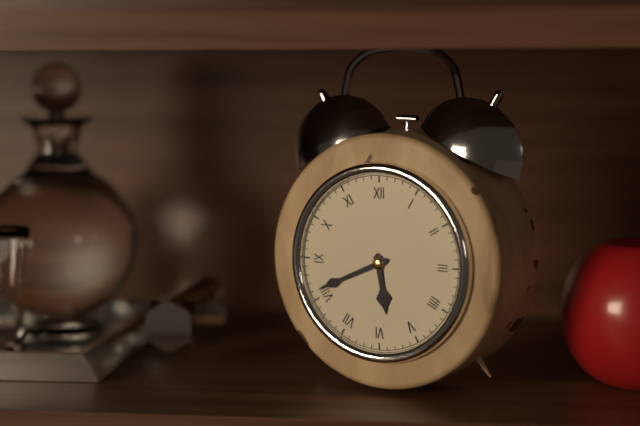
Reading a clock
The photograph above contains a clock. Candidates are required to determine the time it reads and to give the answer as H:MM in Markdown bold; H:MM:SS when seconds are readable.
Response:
**5:41**
